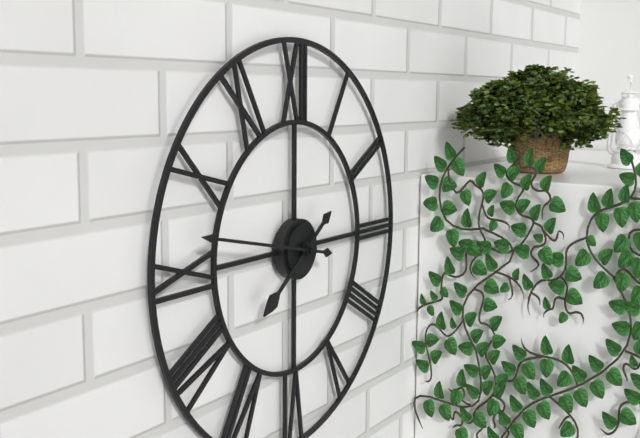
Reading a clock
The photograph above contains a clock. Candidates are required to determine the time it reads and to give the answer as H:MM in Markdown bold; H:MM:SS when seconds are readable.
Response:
**7:47**
